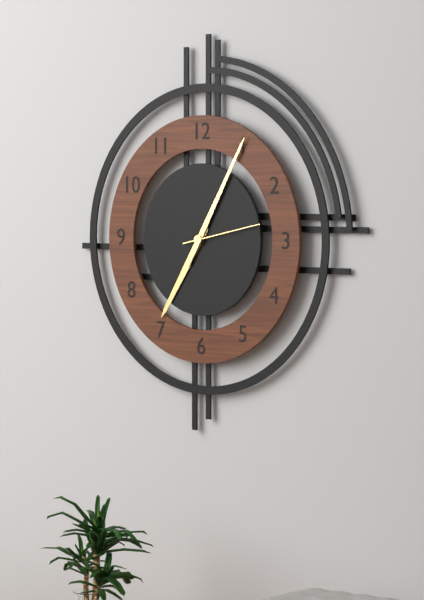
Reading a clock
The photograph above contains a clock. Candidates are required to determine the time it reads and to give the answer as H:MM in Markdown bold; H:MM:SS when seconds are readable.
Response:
**7:05:13**
